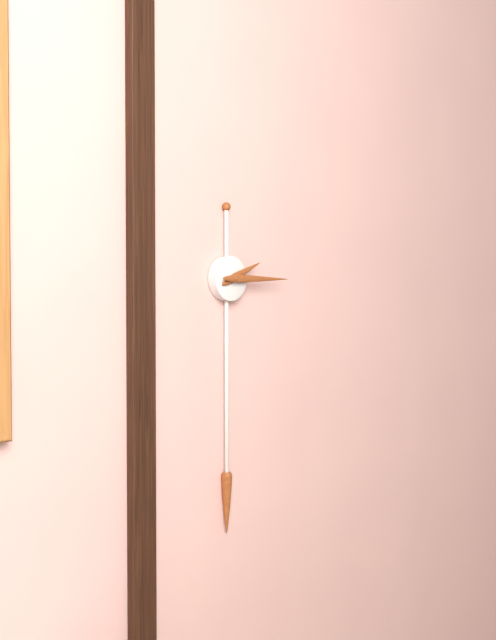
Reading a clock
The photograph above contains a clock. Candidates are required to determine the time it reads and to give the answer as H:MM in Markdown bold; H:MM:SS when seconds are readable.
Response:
**2:15**
